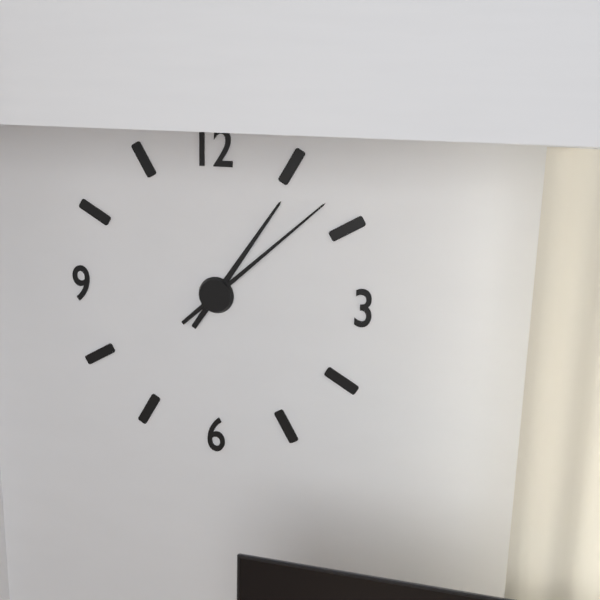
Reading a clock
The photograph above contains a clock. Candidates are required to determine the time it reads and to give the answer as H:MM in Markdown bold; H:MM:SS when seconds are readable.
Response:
**1:08**
